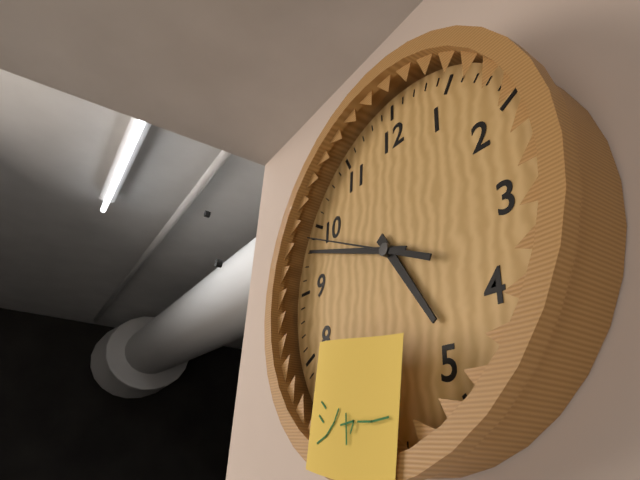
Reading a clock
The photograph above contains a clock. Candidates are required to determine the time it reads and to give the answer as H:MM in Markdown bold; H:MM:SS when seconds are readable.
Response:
**4:48:49**
